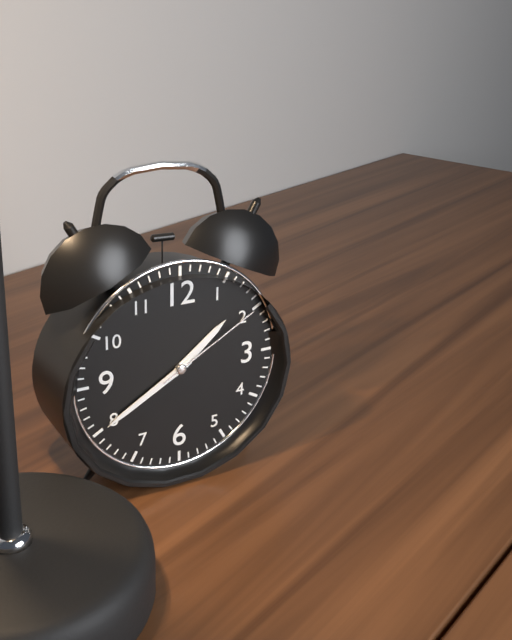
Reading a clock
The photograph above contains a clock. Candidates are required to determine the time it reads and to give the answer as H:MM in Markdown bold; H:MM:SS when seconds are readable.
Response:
**1:40:10**
